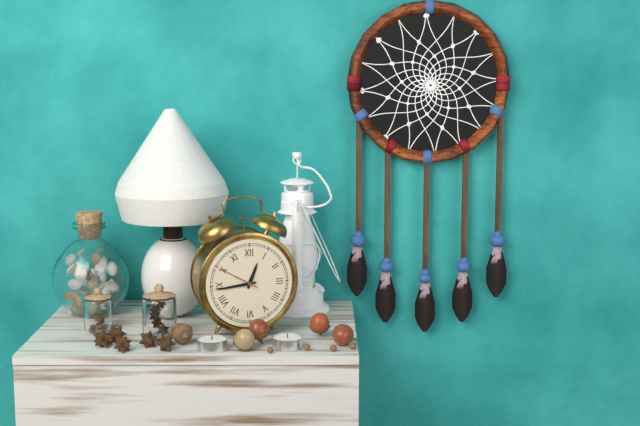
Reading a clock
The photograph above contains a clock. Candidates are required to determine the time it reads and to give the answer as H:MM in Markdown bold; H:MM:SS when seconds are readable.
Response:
**12:44**
